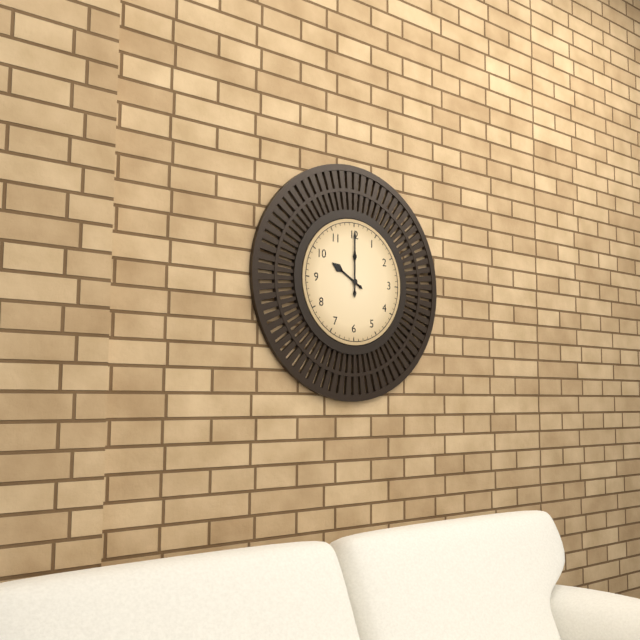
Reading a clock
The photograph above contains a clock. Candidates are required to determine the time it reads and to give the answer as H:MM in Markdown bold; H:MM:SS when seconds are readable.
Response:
**10:00**
